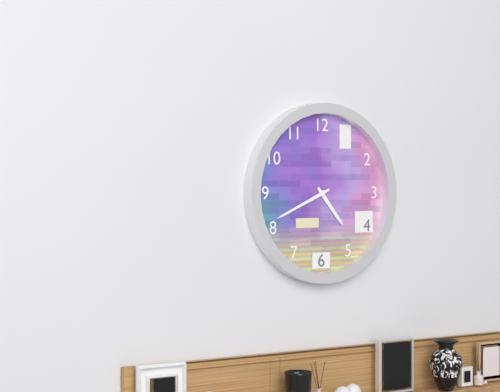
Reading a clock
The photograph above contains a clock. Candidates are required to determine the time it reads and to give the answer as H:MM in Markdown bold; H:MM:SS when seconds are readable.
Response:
**4:41**
